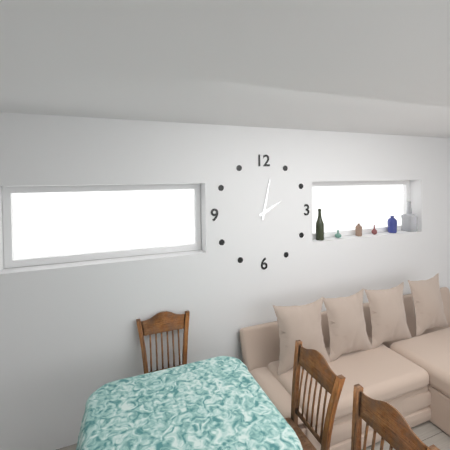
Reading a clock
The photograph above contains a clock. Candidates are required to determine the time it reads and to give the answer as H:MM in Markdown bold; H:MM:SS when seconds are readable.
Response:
**2:02**
